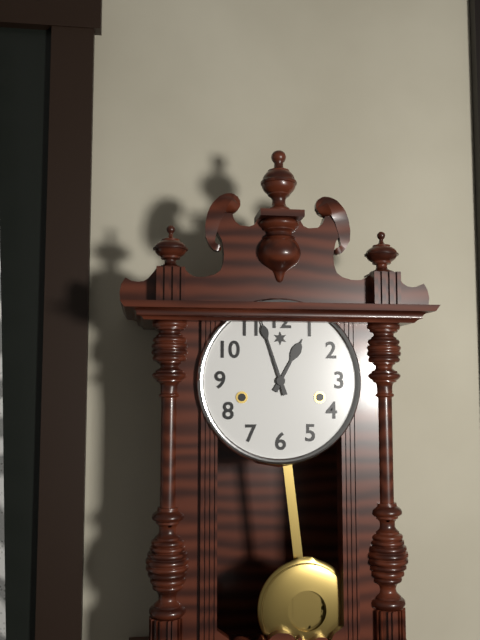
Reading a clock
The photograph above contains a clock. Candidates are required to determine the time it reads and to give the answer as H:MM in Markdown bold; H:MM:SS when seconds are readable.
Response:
**12:57**
